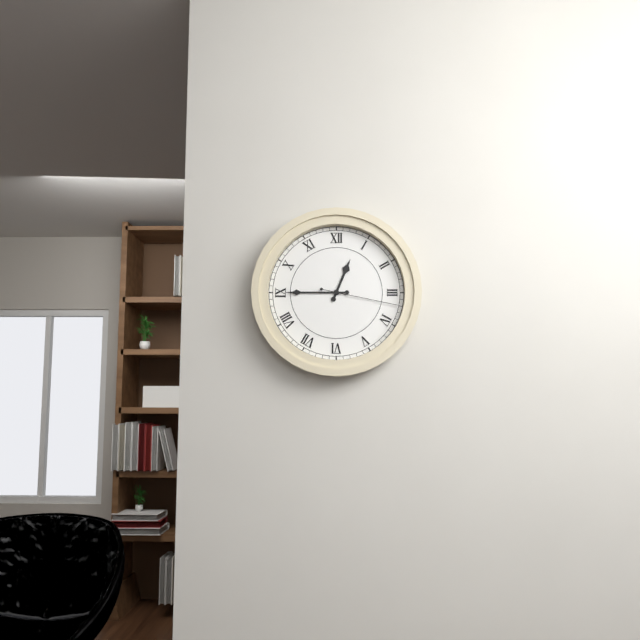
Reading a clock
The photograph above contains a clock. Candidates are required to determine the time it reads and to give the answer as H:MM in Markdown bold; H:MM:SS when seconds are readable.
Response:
**12:45:17**
